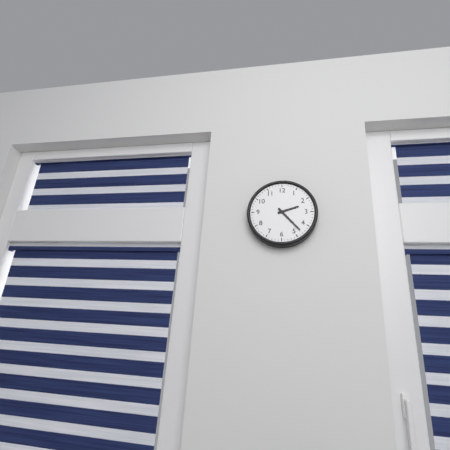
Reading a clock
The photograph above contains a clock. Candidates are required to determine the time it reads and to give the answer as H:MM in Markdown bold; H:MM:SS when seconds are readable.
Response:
**2:23**
